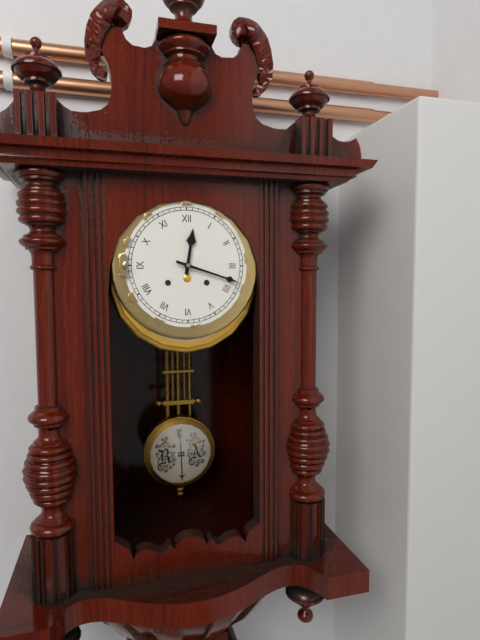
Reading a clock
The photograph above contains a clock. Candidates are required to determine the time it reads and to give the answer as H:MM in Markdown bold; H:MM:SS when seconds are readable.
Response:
**12:18**
